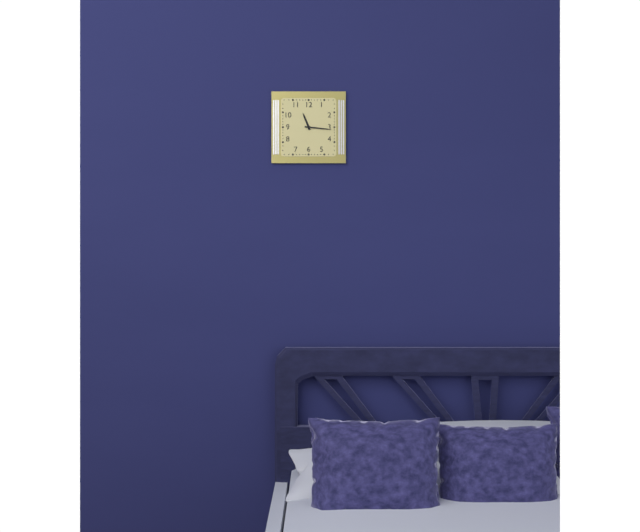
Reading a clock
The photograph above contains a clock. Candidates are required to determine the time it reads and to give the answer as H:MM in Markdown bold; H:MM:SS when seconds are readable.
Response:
**11:16**
